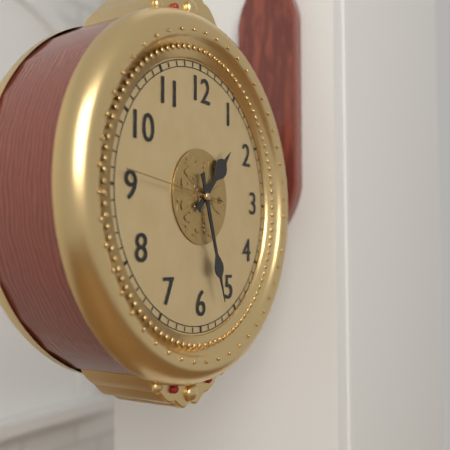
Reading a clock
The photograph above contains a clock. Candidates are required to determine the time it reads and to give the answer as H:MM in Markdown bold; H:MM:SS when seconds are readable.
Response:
**1:27:46**
